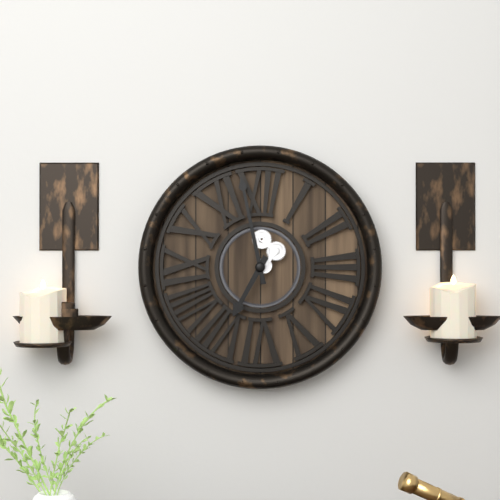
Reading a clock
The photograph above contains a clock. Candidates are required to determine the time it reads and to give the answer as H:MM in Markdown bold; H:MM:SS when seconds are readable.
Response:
**6:58**
